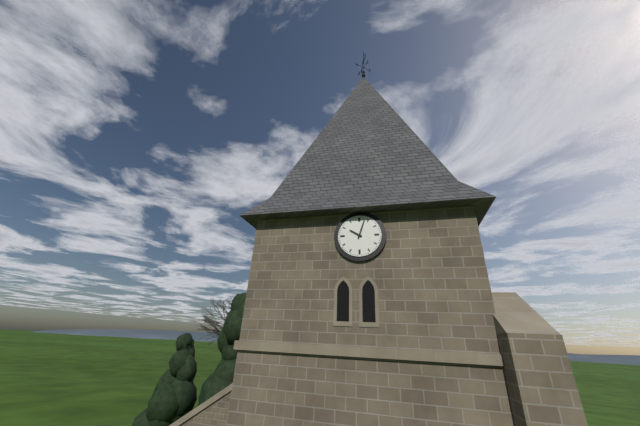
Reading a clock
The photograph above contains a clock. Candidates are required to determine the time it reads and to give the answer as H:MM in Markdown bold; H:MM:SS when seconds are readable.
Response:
**10:03**
